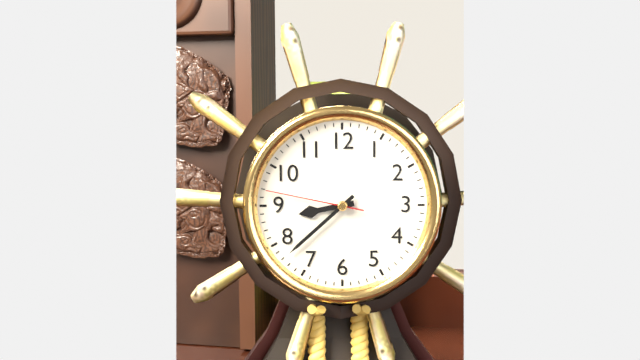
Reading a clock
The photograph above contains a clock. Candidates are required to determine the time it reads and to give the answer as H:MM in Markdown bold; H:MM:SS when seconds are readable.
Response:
**8:38:47**
